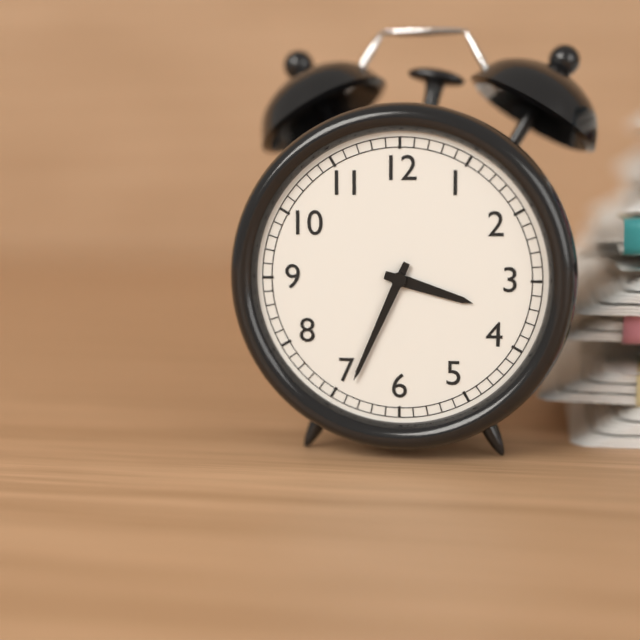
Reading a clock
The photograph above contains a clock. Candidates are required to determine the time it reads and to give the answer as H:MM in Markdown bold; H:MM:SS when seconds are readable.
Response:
**3:34**
